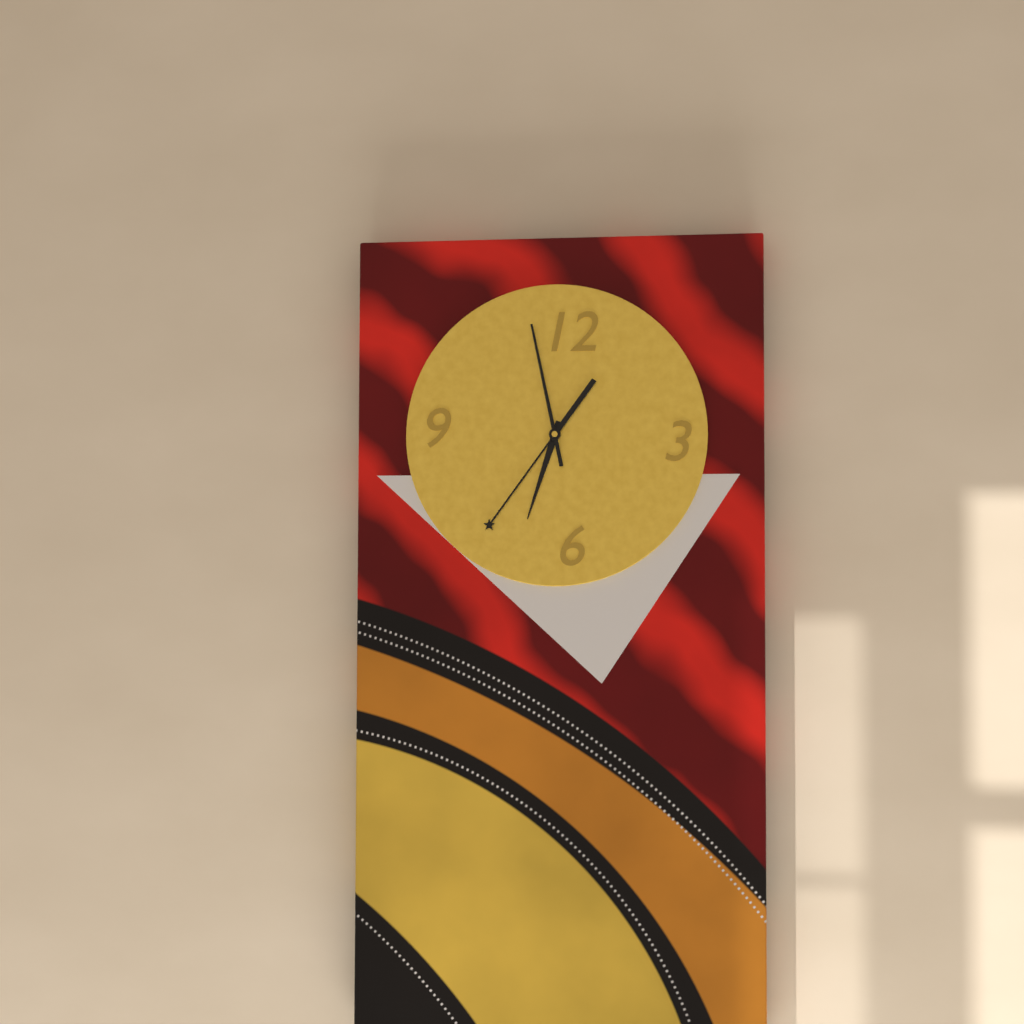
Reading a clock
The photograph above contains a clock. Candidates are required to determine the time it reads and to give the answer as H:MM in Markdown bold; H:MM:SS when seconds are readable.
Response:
**6:36:58**
